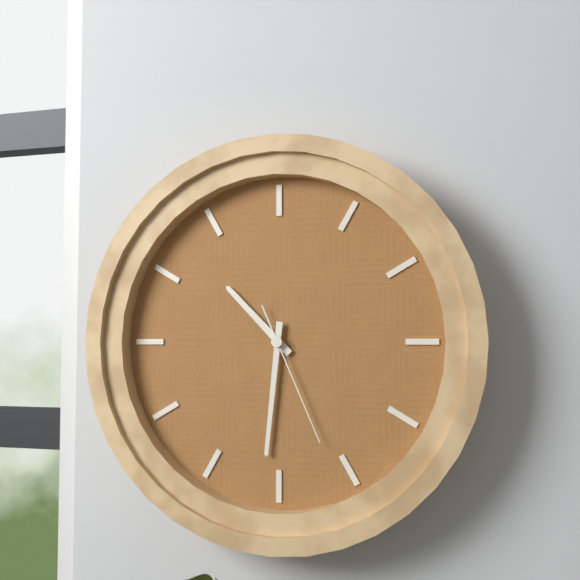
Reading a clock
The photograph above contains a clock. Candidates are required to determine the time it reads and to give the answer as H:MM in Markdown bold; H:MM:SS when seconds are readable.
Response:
**10:31:26**
